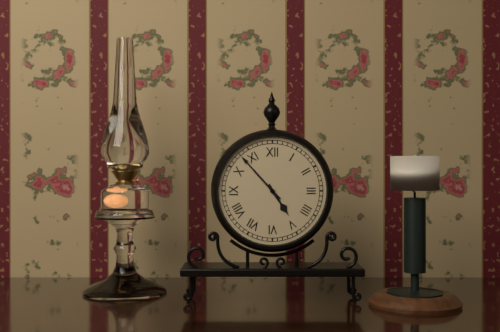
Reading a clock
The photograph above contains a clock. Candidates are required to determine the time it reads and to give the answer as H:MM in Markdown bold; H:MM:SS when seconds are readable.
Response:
**4:53**
